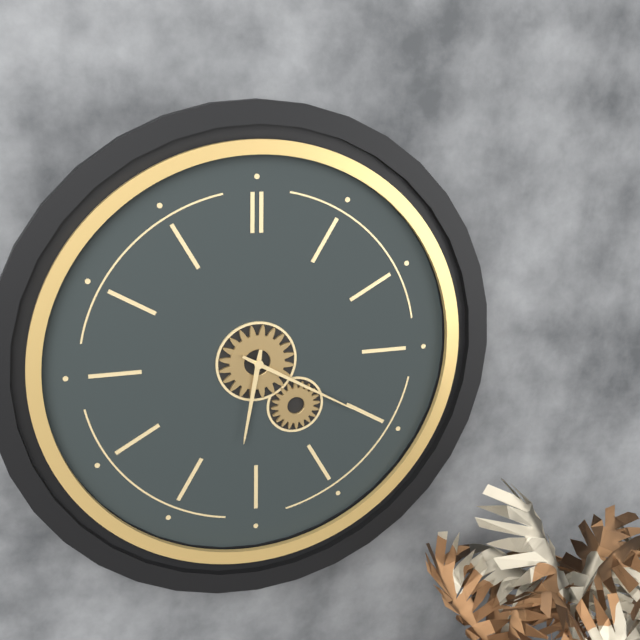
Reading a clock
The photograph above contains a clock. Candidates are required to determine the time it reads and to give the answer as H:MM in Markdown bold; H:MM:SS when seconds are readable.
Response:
**6:20**
